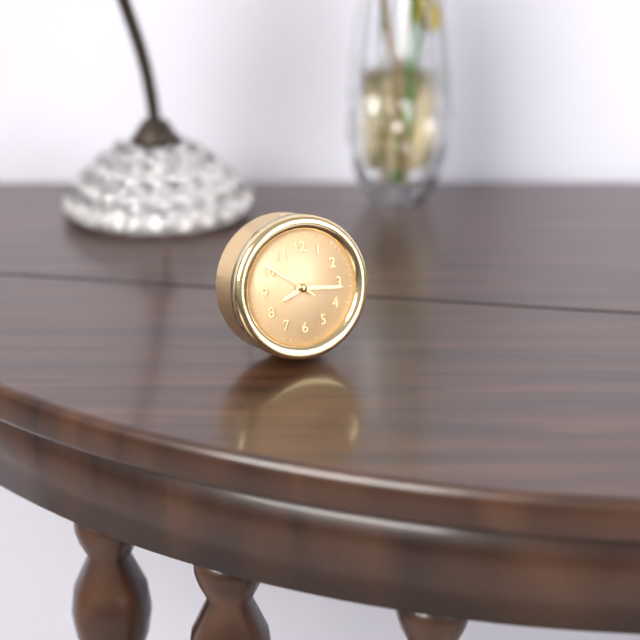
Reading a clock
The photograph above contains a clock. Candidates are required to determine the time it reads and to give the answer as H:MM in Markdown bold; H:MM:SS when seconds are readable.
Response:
**8:16:51**
